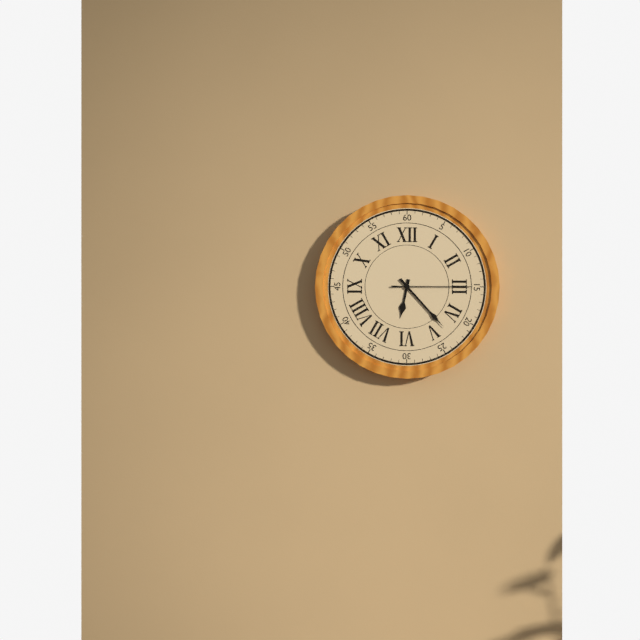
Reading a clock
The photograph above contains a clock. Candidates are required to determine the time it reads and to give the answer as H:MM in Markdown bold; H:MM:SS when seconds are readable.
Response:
**6:23:15**
